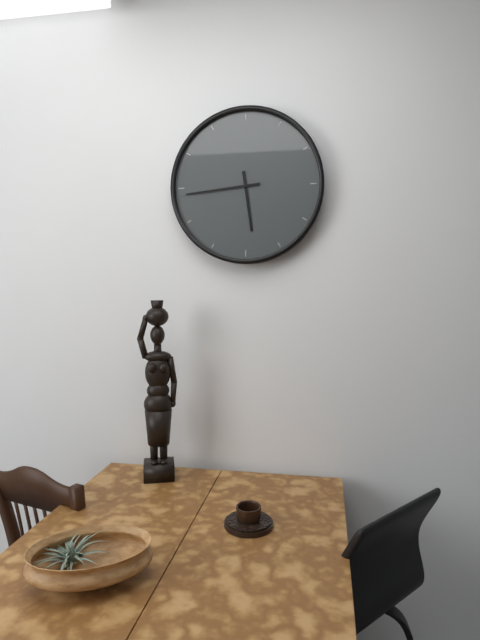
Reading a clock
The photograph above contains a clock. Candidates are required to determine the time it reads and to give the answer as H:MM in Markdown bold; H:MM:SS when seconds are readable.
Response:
**5:44**
